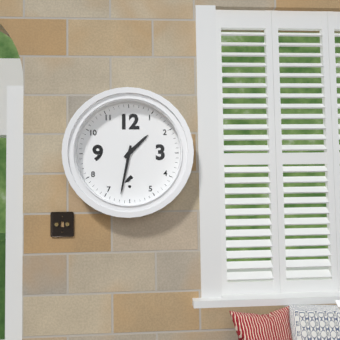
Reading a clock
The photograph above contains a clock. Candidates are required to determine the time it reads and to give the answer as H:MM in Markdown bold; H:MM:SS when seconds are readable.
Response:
**1:32**
